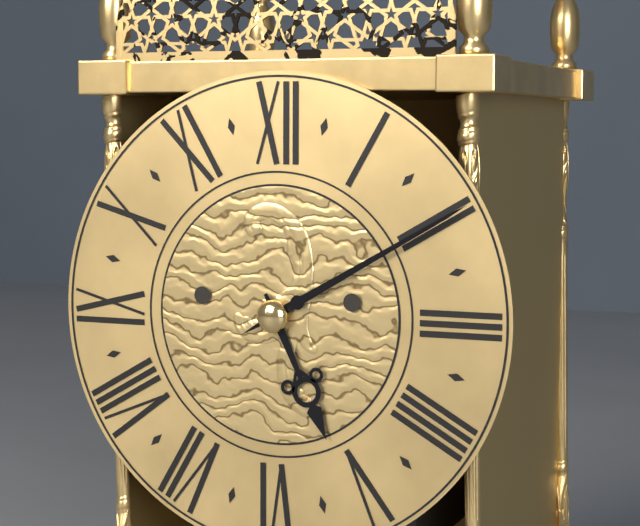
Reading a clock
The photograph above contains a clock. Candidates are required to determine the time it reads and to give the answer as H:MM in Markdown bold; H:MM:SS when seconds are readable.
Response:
**5:10**
